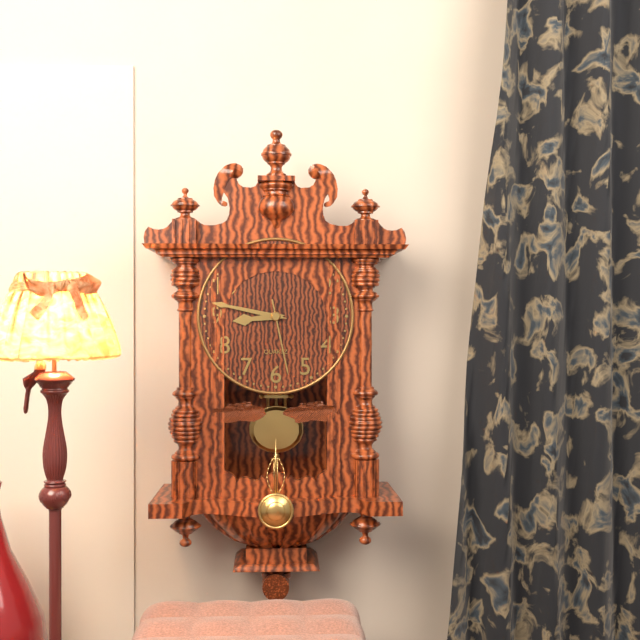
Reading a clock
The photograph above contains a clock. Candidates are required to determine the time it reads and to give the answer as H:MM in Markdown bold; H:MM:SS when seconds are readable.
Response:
**8:47:28**
